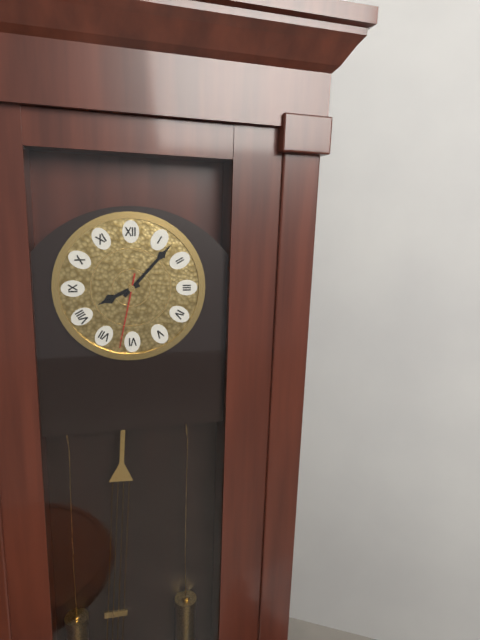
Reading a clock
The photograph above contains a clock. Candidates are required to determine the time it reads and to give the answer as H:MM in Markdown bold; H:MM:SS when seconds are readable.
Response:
**8:07:32**
